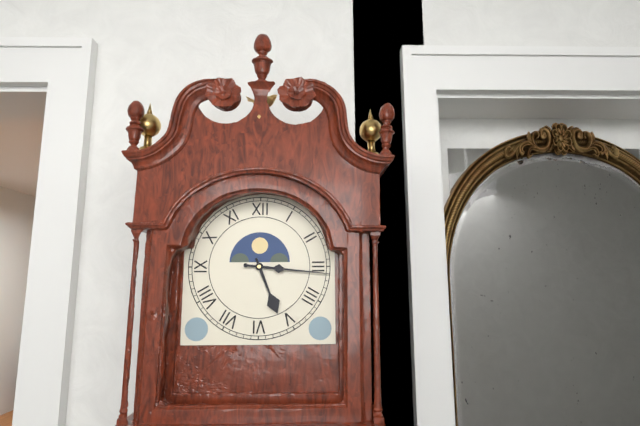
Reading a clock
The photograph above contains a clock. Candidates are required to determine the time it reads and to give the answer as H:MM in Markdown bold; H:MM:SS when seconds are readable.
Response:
**5:16**
